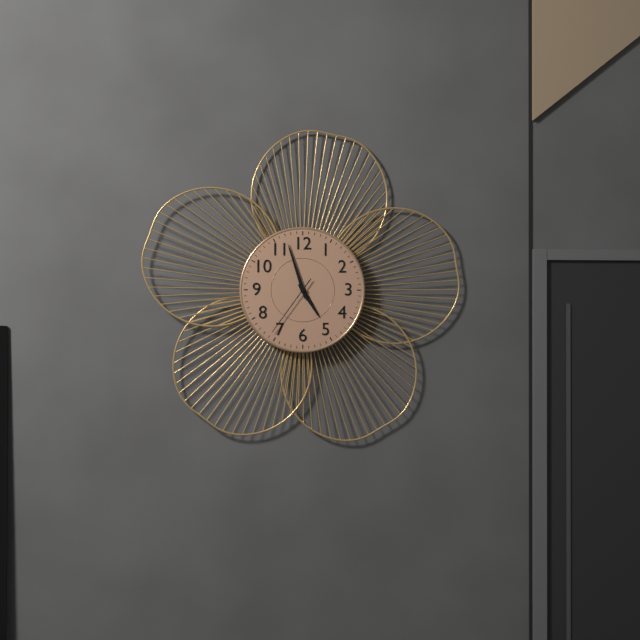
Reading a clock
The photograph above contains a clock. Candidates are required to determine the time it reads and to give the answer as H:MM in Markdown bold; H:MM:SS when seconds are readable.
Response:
**4:57:36**
